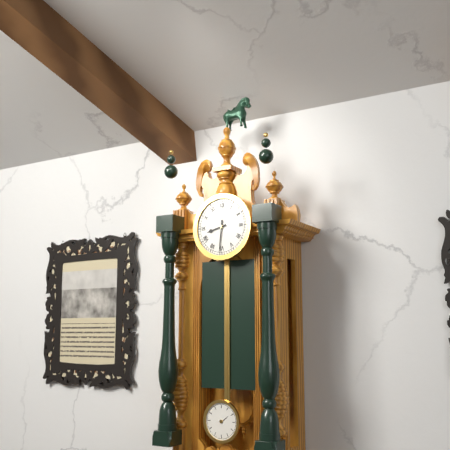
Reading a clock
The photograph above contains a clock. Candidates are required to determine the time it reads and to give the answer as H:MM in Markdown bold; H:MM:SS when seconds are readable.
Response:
**8:31**
